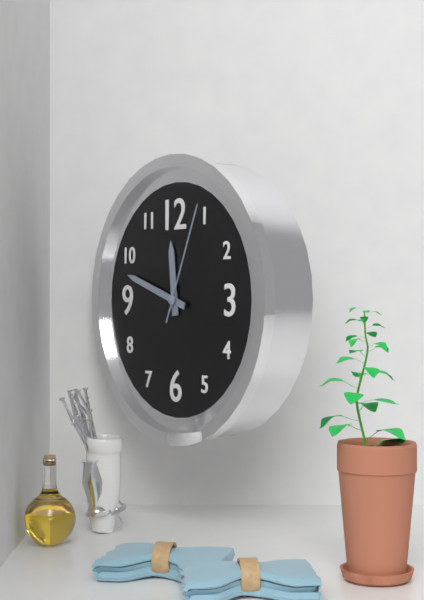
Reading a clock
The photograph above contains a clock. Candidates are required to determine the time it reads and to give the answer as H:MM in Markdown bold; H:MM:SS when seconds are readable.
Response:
**11:48:04**
